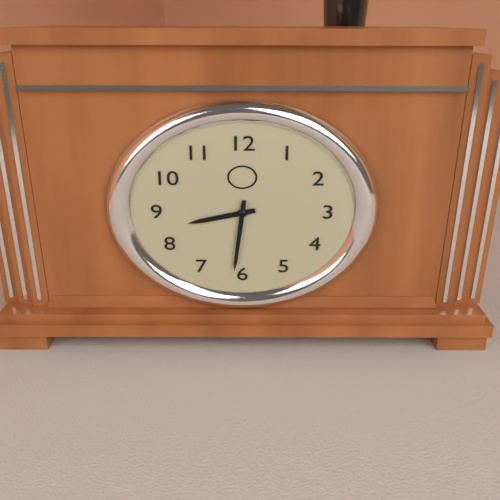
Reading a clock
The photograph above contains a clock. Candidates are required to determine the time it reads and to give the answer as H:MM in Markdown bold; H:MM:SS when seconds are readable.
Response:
**8:31**
